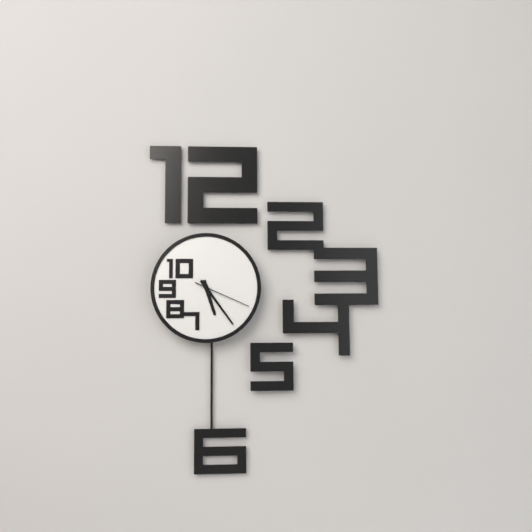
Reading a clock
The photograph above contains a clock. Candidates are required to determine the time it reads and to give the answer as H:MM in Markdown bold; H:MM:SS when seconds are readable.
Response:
**5:24:19**
